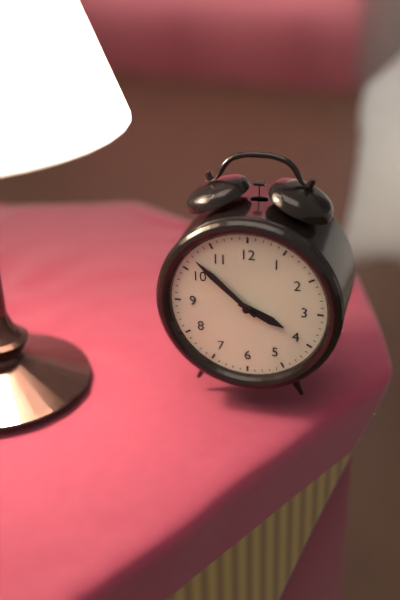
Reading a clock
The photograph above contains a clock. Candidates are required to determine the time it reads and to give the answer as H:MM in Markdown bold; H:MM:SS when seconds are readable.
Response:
**3:52**
